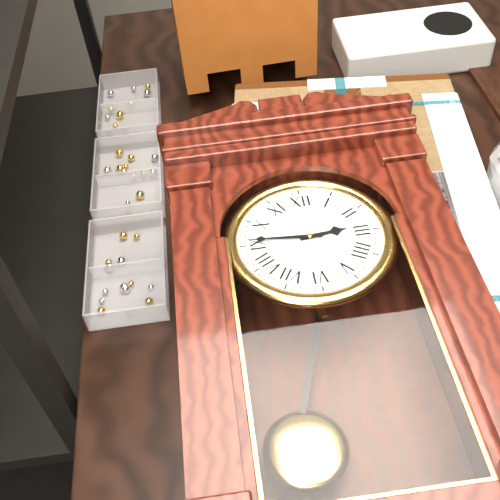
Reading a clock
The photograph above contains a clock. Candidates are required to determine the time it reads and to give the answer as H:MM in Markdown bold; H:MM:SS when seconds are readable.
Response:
**2:46**
